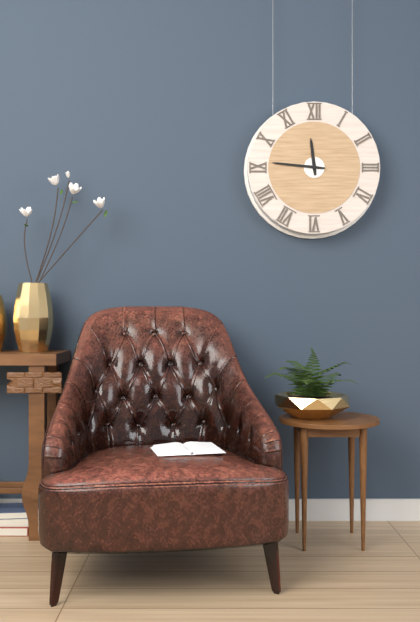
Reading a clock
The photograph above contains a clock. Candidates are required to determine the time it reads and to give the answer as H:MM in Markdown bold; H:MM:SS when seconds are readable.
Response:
**11:46**
